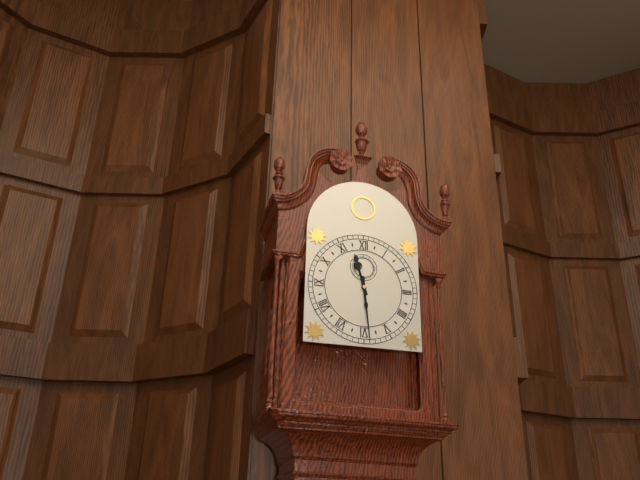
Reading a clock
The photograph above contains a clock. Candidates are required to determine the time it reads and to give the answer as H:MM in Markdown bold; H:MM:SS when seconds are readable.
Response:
**11:29**
